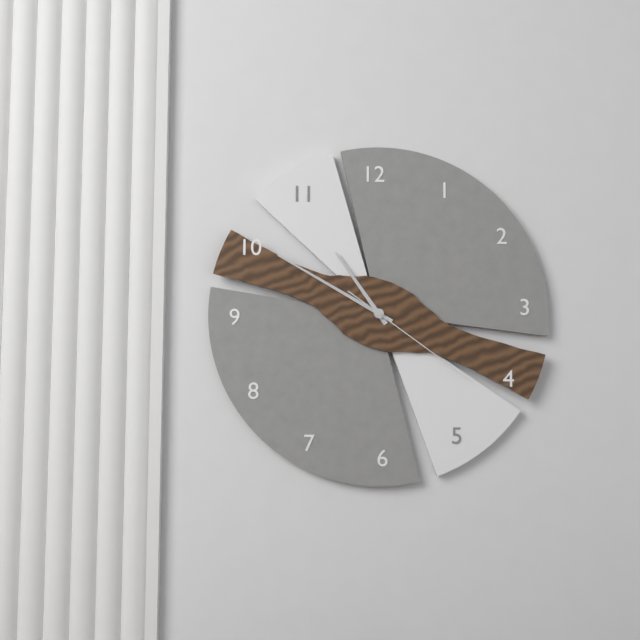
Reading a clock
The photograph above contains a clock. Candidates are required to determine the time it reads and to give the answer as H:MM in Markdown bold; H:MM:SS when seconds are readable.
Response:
**10:50:21**
